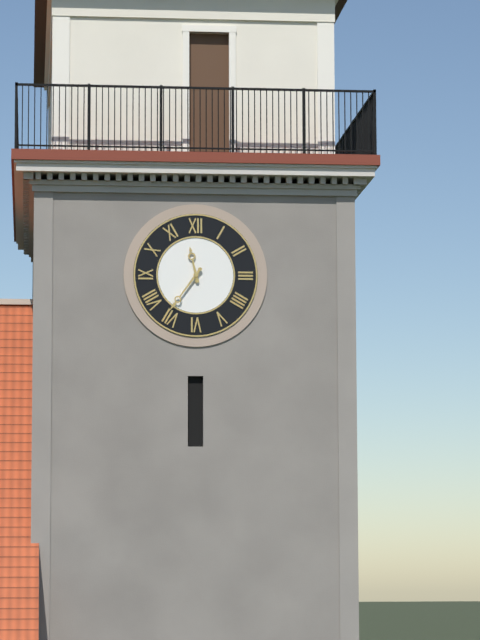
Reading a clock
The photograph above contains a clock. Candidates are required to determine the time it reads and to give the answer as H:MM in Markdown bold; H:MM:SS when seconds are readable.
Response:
**11:36**
